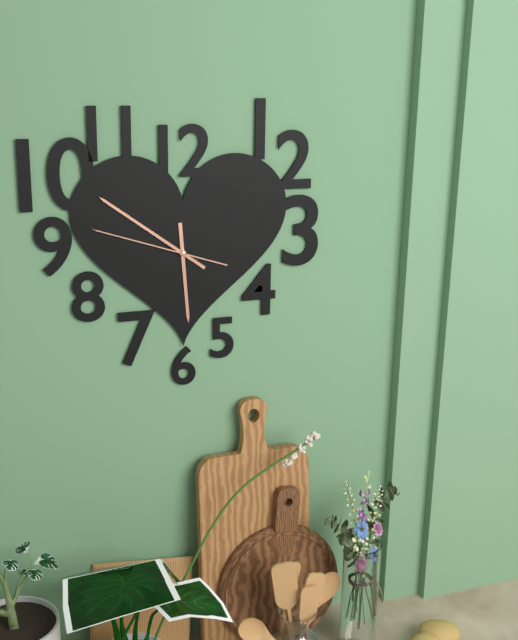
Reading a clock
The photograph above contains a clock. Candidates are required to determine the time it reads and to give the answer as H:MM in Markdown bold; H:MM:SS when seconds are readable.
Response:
**5:51:48**
